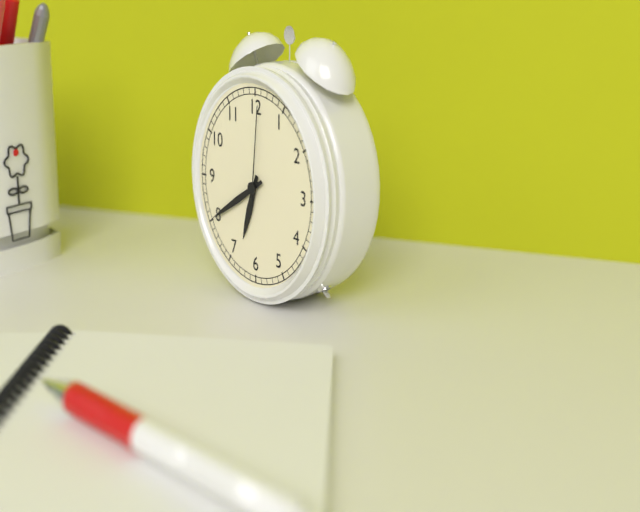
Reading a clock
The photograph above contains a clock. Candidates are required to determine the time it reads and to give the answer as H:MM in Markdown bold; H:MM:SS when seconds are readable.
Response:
**6:40:01**
